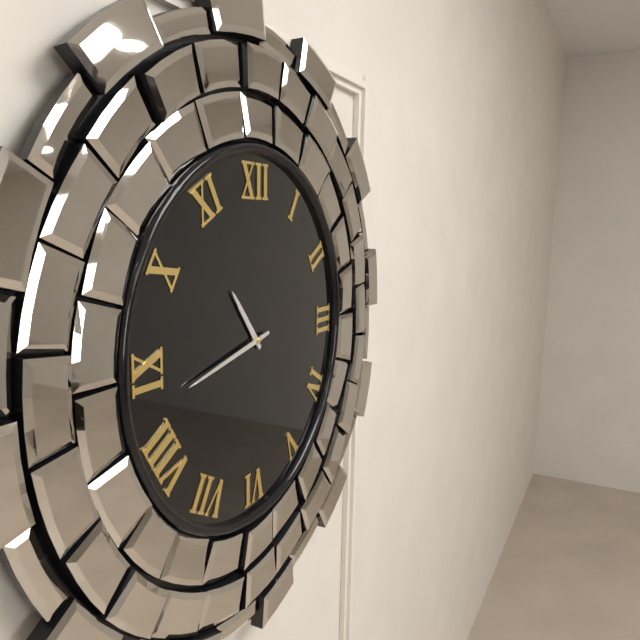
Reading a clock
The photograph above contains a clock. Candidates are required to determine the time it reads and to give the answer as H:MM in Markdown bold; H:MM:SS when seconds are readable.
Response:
**10:43**
